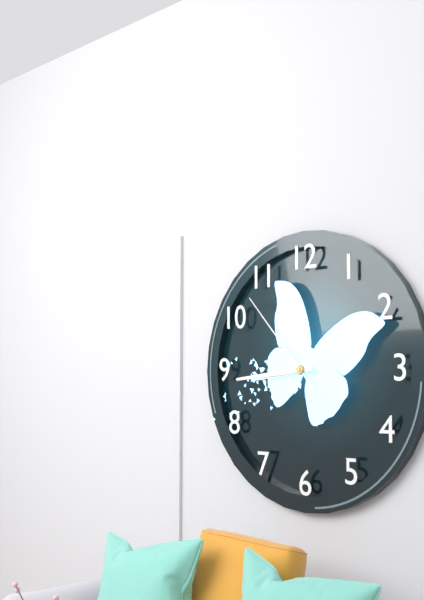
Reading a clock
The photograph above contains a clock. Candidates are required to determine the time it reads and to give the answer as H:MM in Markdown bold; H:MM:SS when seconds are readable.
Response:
**8:44:53**
